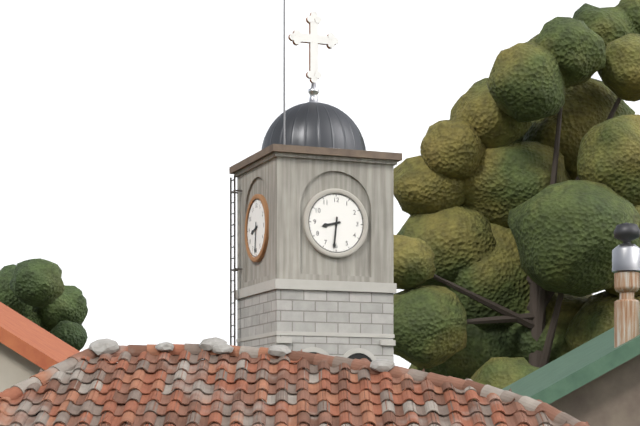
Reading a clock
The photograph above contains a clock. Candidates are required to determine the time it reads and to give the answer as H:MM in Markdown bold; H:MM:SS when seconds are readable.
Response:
**8:31**
